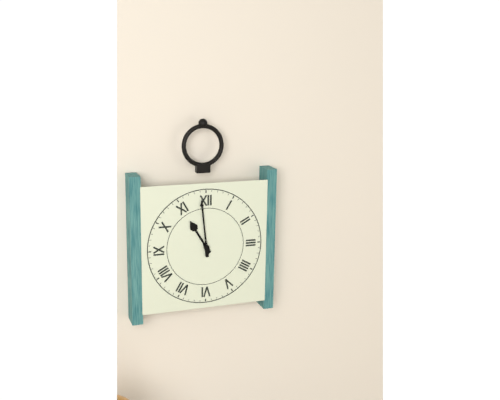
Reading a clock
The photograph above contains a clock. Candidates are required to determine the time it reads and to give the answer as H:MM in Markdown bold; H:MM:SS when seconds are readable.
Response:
**10:59**
